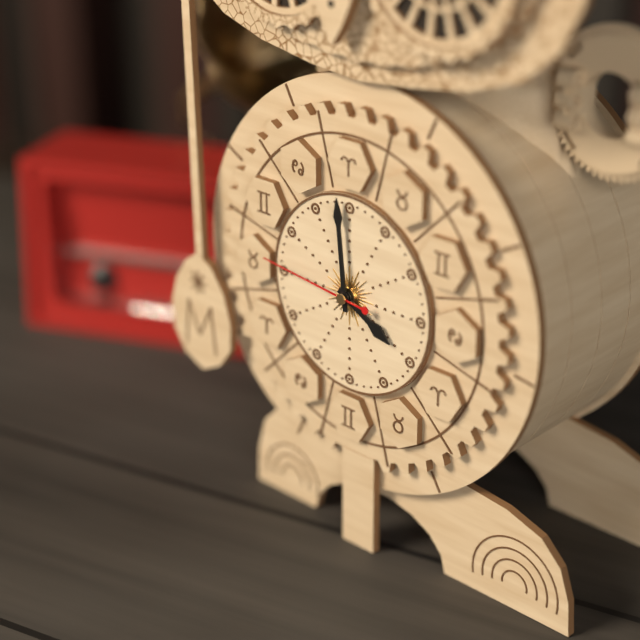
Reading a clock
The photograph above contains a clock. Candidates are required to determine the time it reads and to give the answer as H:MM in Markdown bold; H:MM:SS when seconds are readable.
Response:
**3:59:46**
